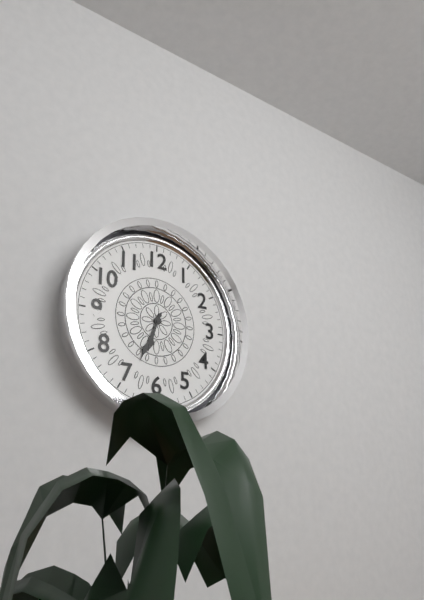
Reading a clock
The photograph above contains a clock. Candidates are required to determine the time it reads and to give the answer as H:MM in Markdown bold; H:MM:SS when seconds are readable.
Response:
**6:34**
